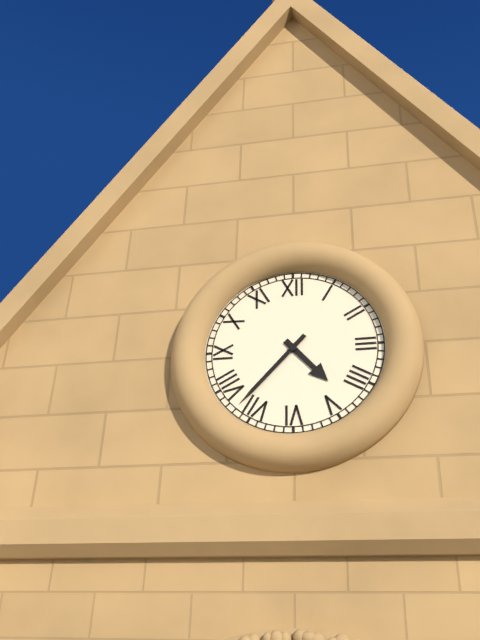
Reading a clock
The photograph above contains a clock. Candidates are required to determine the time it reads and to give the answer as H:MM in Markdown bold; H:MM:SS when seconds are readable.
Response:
**4:37**
